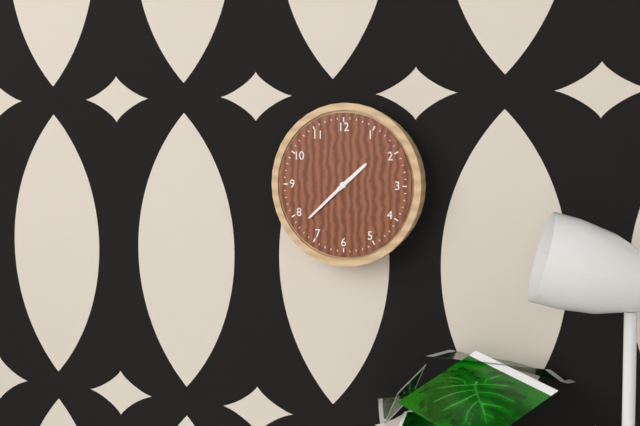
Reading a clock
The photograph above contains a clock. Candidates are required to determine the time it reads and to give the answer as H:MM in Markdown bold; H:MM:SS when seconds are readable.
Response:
**1:38**
